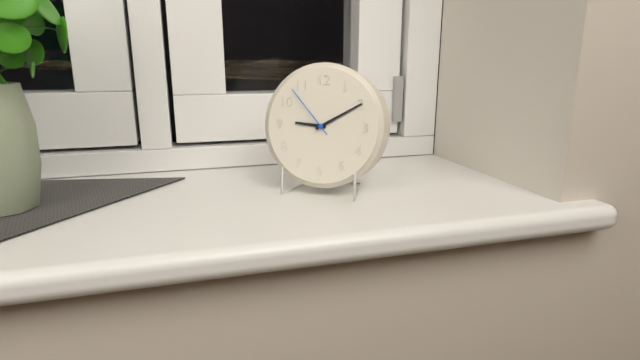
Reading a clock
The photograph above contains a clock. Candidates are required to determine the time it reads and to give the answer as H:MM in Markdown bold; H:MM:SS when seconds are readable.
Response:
**9:10:53**
